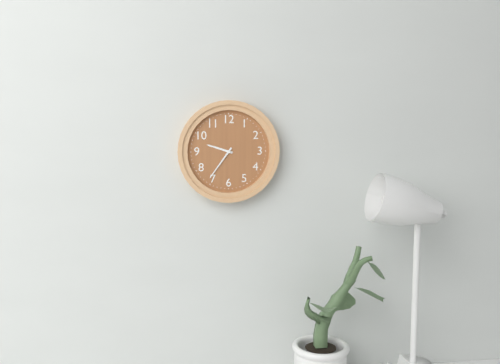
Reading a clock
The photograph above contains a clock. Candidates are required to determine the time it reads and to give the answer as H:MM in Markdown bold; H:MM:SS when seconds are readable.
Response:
**9:36**
